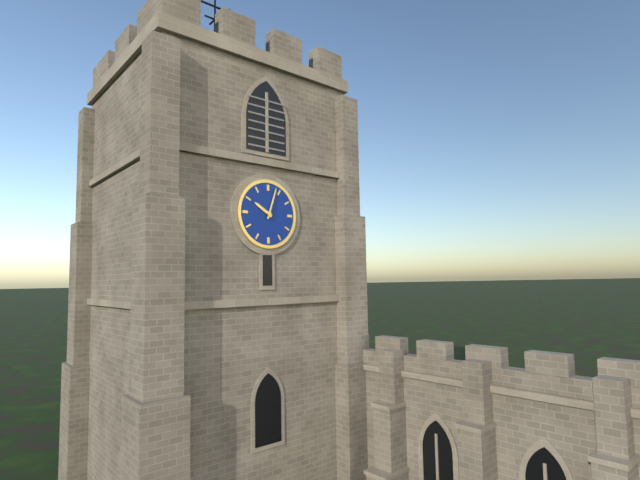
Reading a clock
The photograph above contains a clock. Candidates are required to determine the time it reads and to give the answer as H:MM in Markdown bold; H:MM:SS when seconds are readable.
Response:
**10:03**
